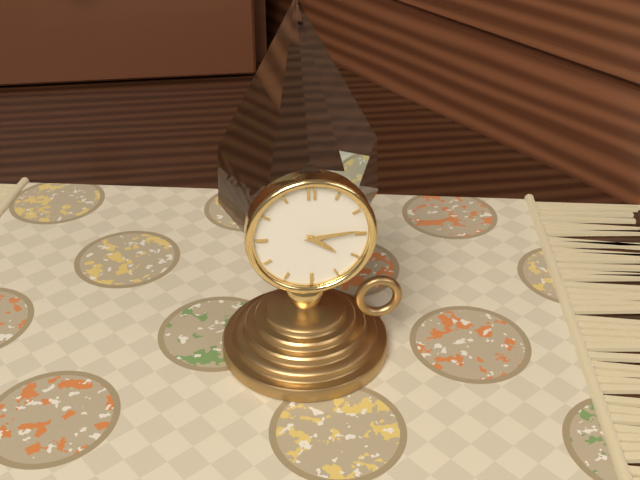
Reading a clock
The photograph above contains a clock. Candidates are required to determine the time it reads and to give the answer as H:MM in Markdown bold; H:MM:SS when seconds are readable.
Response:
**4:14**
